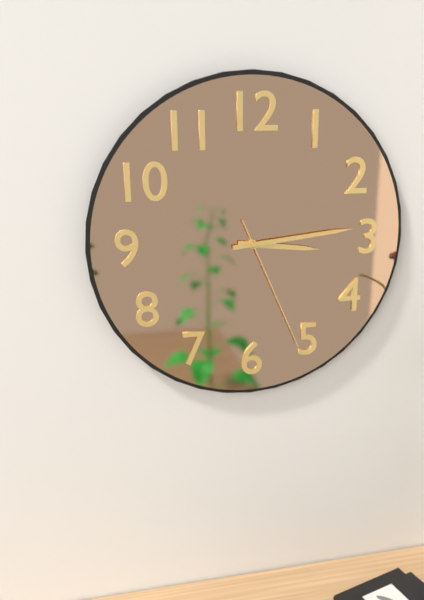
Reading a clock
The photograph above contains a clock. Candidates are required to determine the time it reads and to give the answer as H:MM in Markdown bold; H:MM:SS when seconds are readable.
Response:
**3:14:26**
